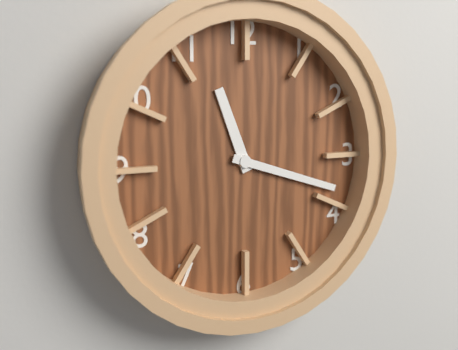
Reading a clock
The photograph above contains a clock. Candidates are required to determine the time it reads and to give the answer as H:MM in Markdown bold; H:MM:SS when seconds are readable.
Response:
**11:18**
